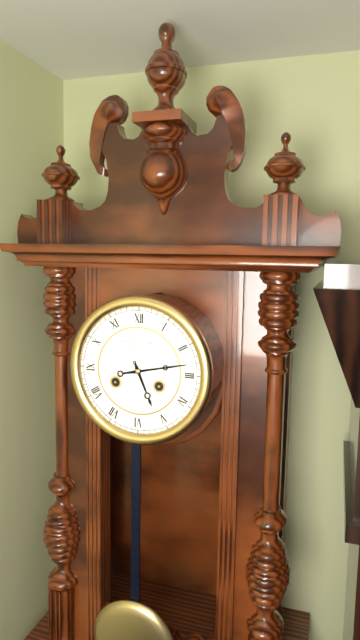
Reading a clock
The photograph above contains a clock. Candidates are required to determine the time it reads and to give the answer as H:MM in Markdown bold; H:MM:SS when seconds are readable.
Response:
**5:13**
